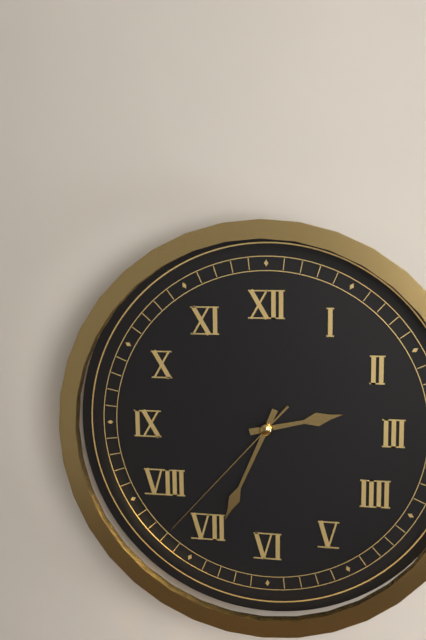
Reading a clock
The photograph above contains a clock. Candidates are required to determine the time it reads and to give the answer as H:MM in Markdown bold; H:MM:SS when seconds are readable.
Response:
**2:34:37**
